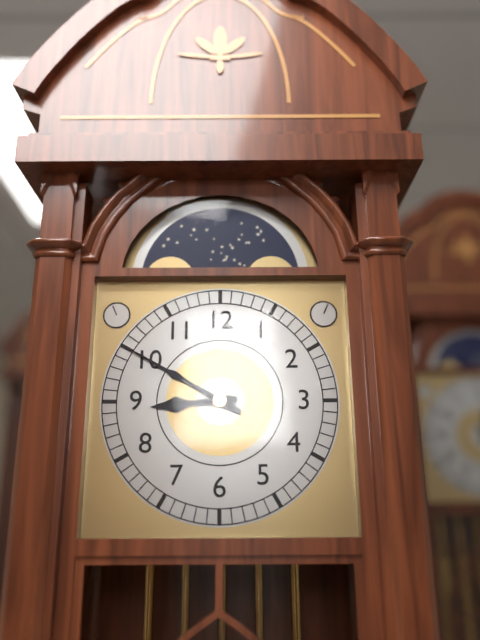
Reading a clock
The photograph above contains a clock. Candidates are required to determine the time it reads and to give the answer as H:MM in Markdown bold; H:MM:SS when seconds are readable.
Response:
**8:50**
